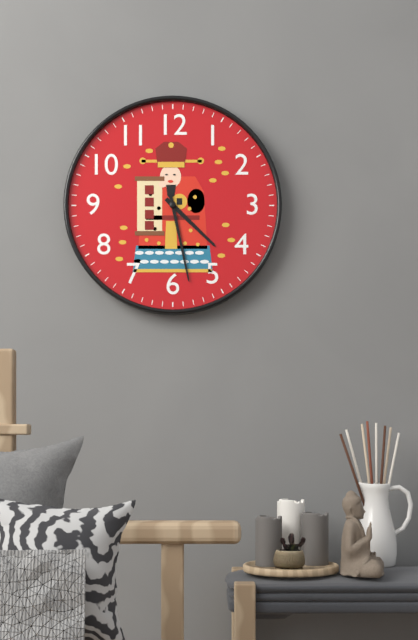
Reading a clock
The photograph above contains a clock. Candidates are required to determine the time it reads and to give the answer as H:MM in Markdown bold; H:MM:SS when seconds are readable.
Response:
**4:28**
